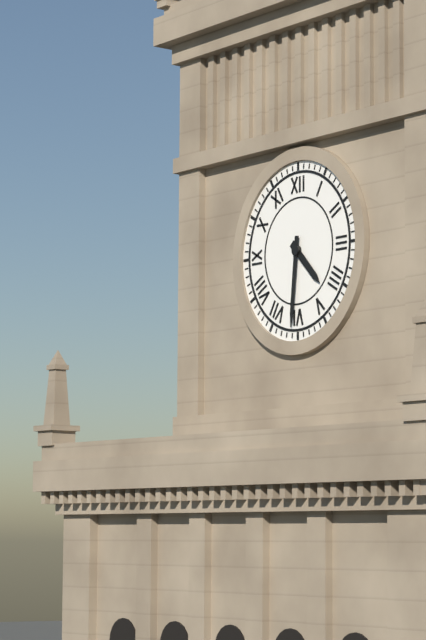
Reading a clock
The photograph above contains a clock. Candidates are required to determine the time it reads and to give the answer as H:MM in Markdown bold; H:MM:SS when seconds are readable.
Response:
**4:31**
